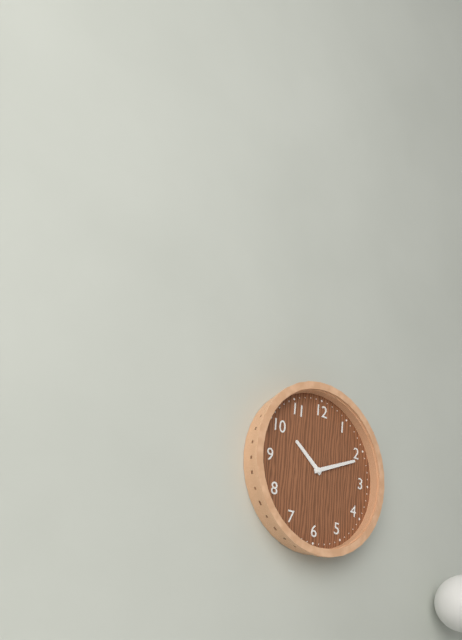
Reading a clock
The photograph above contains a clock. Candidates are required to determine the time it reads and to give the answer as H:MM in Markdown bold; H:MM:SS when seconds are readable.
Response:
**10:11**
